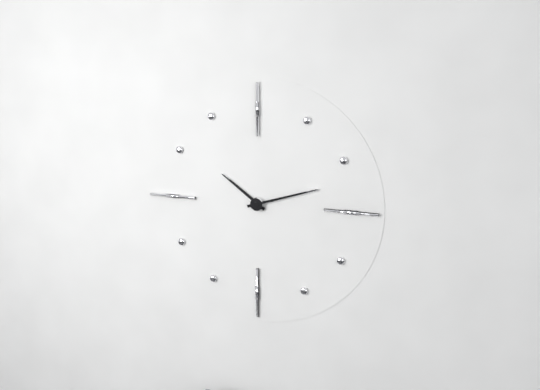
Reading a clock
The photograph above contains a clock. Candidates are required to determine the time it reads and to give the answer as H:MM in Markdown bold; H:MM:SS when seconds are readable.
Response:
**10:12**
